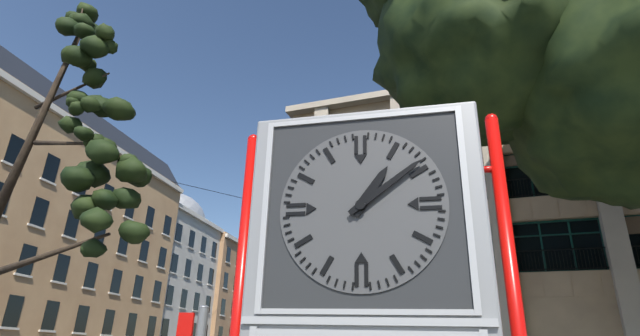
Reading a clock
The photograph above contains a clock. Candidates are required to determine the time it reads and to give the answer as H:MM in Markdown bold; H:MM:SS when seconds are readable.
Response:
**1:09**
